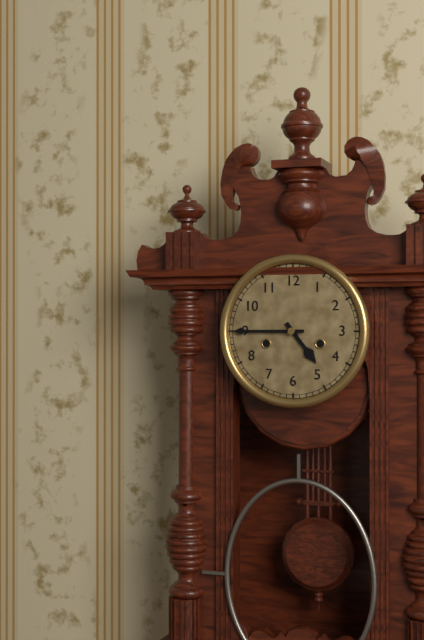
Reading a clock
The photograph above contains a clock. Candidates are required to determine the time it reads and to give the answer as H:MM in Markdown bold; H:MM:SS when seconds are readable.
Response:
**4:45**
